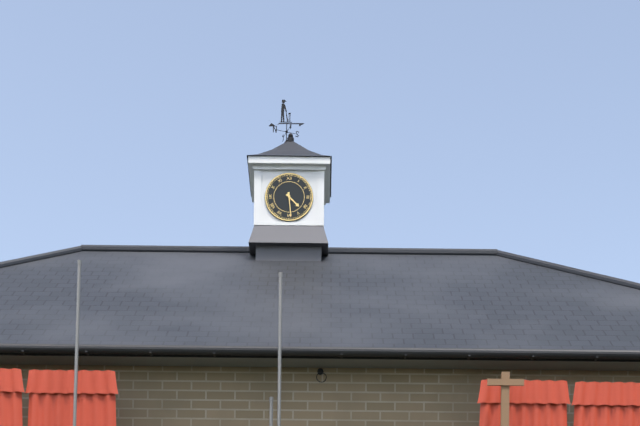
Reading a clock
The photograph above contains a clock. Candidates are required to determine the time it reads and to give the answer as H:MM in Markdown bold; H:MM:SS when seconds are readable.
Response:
**4:29**
